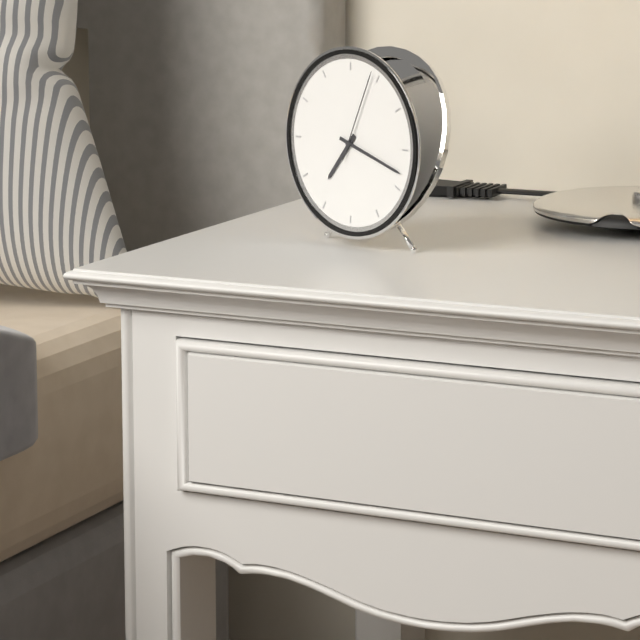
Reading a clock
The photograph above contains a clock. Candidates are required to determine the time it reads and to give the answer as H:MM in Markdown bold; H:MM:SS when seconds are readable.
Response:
**7:18:04**
